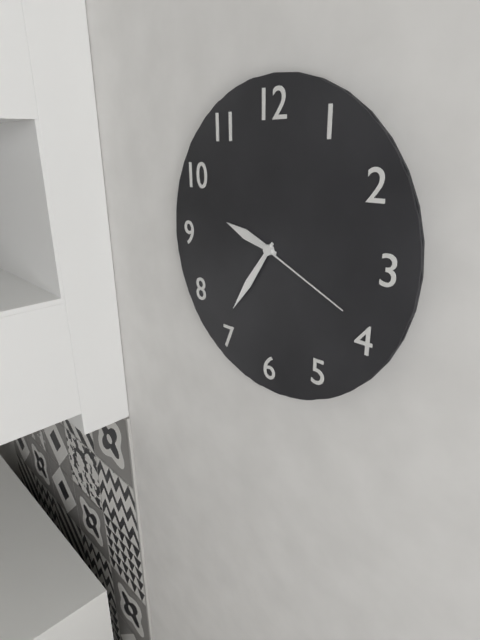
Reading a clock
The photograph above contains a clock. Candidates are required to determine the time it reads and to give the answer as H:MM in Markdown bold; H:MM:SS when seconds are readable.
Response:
**9:36:19**
